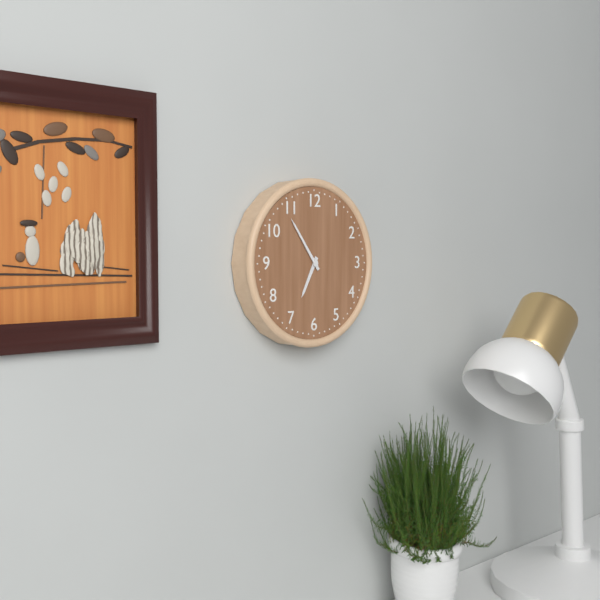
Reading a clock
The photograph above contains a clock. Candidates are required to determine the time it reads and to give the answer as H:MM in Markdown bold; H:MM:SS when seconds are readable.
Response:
**6:54**
